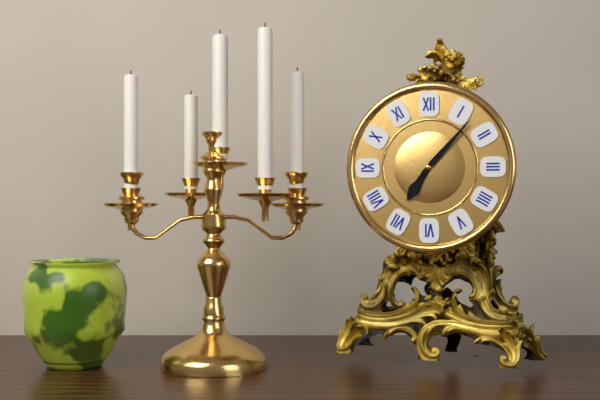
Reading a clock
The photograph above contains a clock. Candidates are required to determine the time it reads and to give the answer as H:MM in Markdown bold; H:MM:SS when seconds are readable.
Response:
**7:07**
